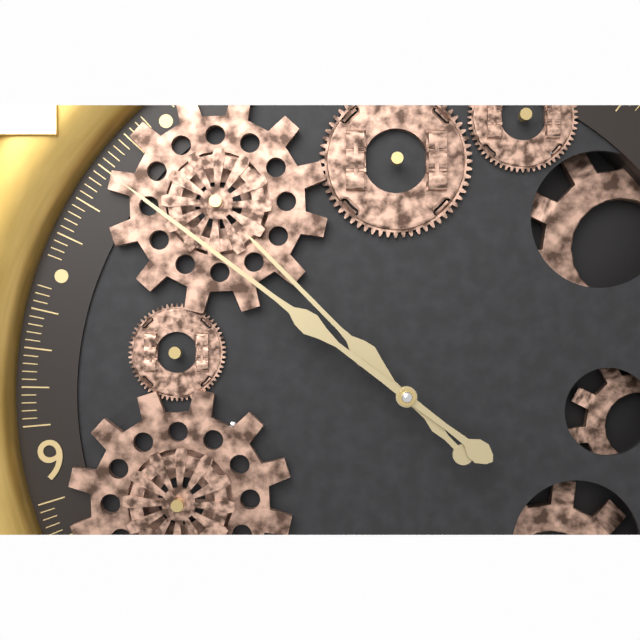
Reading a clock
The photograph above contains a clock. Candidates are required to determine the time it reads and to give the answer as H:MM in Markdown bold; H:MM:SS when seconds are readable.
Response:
**10:53**
